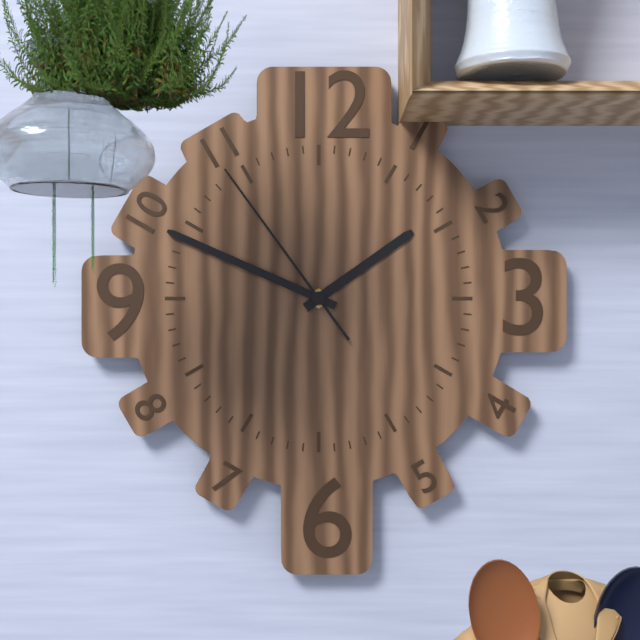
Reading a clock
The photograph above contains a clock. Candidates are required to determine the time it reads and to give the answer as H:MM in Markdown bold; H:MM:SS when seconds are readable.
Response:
**1:49:54**
